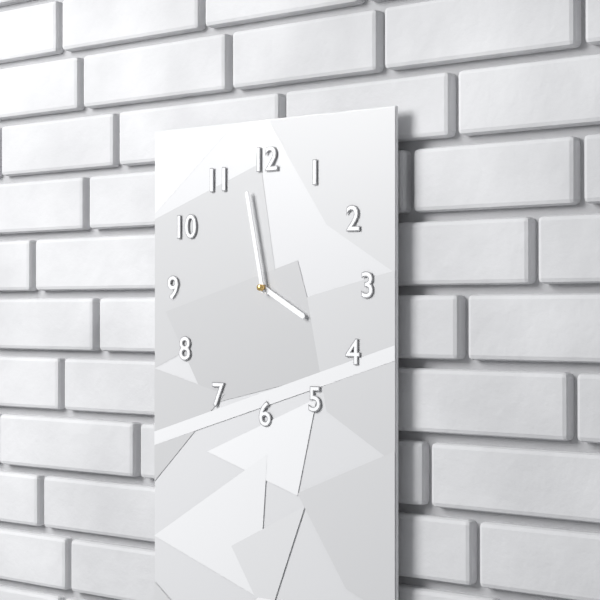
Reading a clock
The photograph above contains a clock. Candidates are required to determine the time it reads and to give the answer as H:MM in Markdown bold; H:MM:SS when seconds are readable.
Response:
**3:58**
